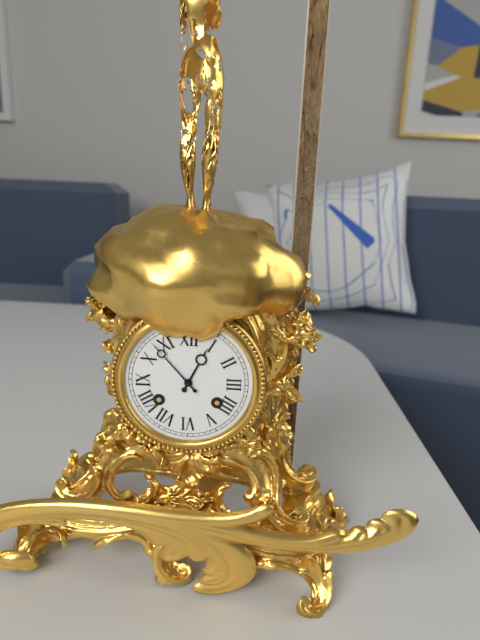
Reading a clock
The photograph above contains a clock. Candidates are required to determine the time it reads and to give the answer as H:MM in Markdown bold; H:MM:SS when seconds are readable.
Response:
**12:53**
